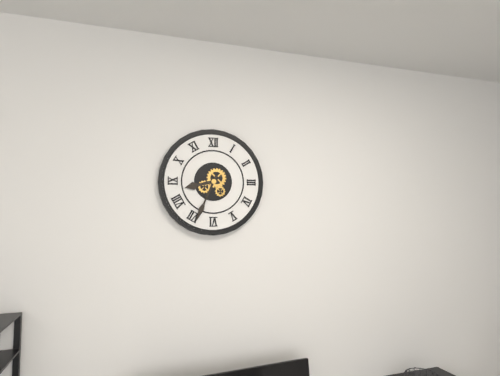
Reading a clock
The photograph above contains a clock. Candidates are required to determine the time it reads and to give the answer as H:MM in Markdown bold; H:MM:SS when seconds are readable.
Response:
**8:34**
